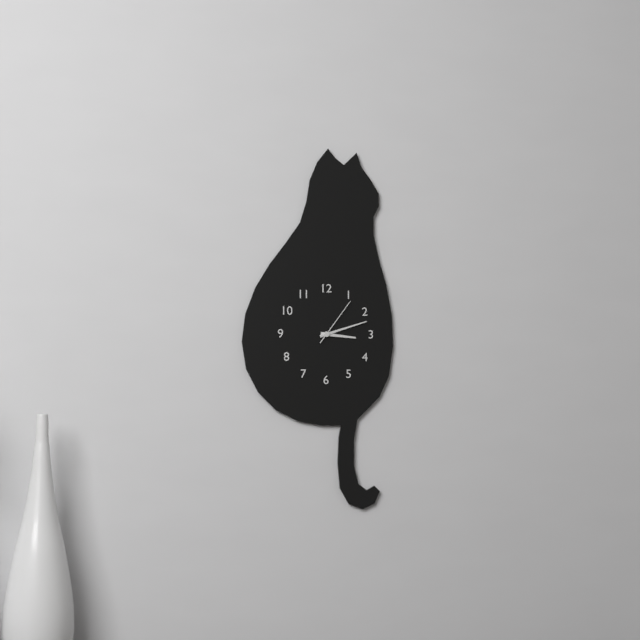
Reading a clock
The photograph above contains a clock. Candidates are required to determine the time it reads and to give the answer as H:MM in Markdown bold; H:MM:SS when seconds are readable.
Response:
**3:12:06**
